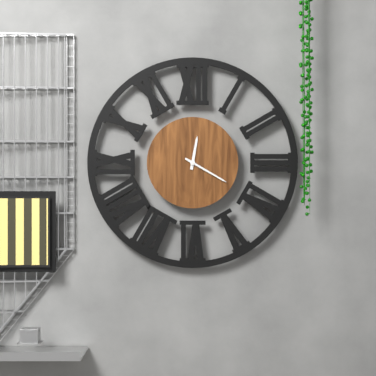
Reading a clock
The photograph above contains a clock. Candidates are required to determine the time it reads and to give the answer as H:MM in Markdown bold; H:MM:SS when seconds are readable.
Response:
**12:20**
